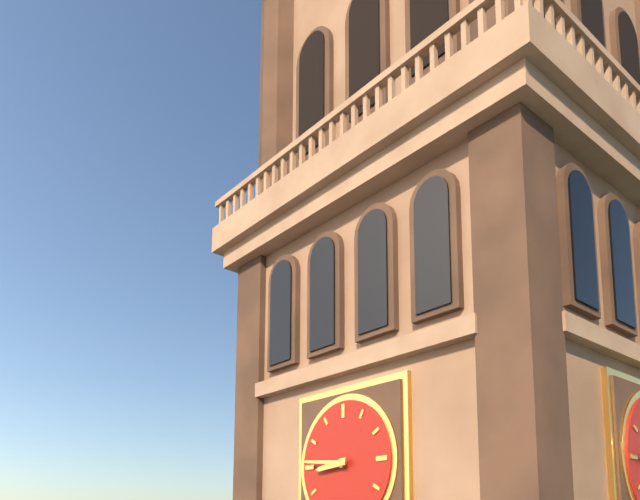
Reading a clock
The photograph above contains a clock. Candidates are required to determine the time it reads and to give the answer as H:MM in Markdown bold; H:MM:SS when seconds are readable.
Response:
**8:46**
